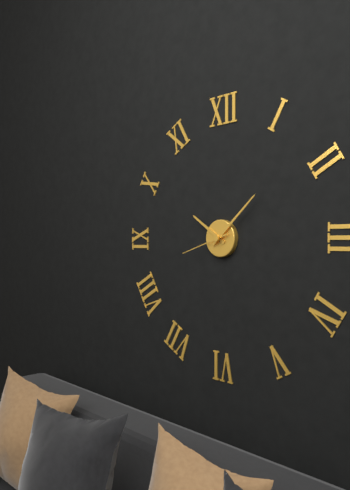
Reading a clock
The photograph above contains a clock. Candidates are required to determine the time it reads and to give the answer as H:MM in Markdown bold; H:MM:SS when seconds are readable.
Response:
**10:08**
